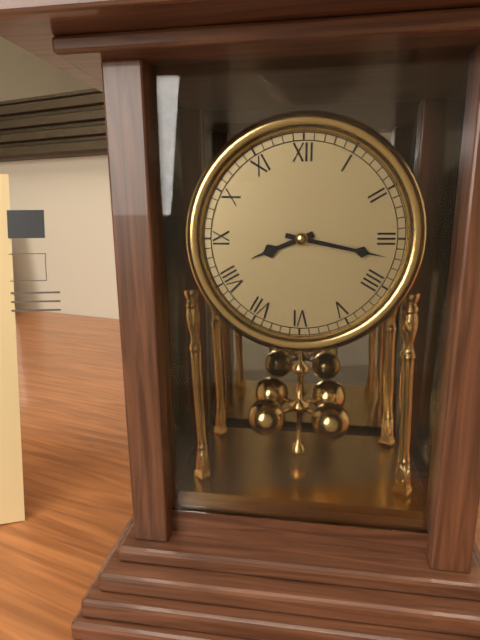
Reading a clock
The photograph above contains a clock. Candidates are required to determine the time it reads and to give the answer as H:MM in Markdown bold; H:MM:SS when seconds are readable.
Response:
**8:17**
